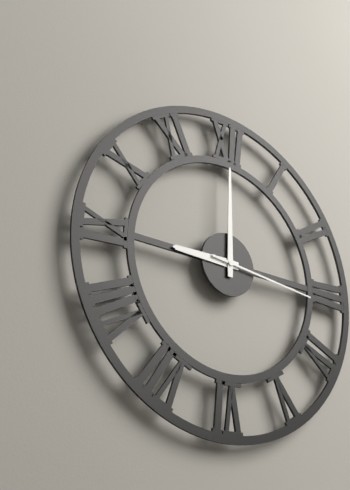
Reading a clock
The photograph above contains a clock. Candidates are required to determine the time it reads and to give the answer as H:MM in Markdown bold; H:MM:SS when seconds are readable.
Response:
**9:00:16**
